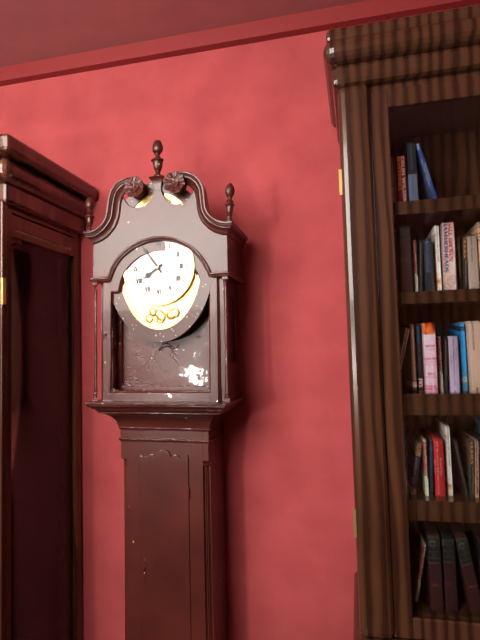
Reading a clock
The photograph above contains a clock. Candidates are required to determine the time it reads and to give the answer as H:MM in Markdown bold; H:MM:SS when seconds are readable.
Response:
**7:54**
